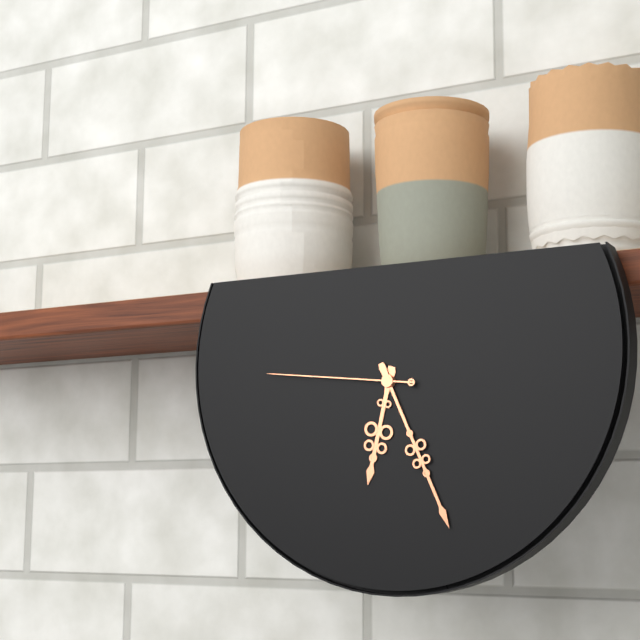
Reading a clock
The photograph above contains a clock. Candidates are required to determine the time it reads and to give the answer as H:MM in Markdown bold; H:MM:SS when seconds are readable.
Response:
**6:26:46**
